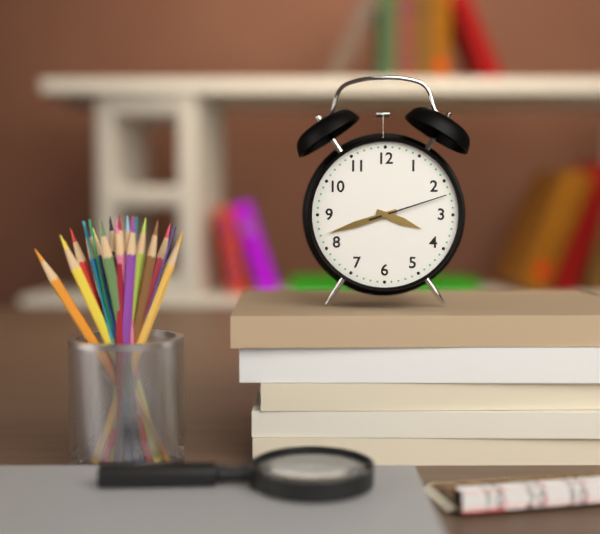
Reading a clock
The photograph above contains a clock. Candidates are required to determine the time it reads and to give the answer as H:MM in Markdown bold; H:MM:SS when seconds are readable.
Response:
**3:42:12**
